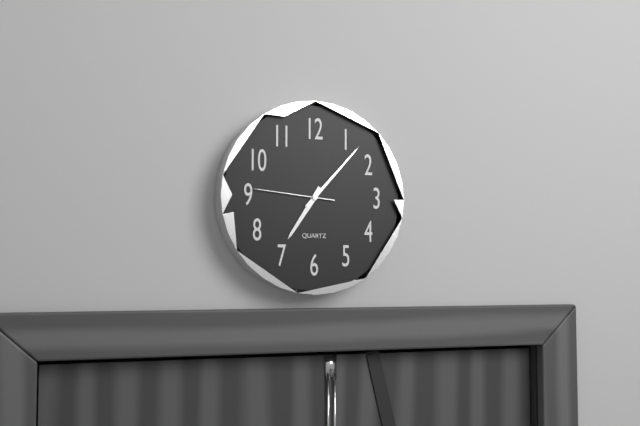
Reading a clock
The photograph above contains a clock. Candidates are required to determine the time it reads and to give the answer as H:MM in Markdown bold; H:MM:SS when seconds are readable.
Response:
**7:07:46**
